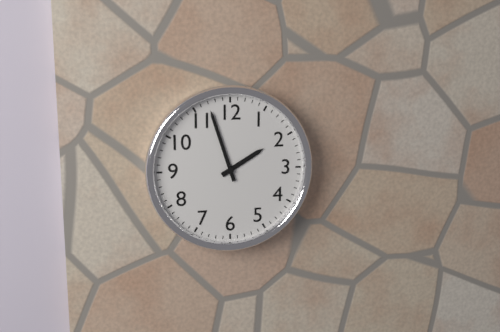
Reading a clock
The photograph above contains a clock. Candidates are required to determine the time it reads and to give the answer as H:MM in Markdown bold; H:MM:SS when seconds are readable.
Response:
**1:57**
